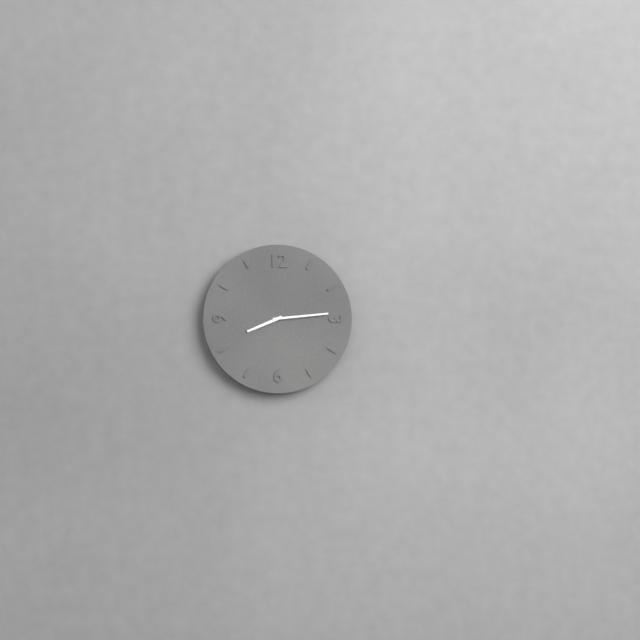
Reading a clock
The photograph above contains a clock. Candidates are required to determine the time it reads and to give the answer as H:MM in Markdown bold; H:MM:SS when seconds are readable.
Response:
**8:14**
